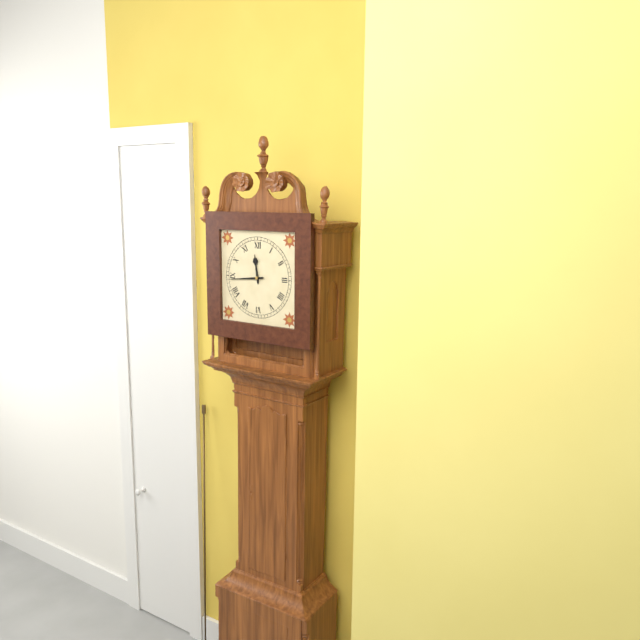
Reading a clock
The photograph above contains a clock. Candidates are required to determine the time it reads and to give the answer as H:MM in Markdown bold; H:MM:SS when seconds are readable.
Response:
**11:44**
